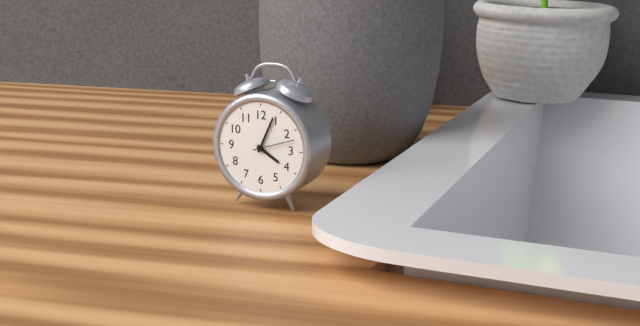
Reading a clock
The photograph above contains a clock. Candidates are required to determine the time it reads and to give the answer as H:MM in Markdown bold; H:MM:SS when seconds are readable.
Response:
**4:04**
